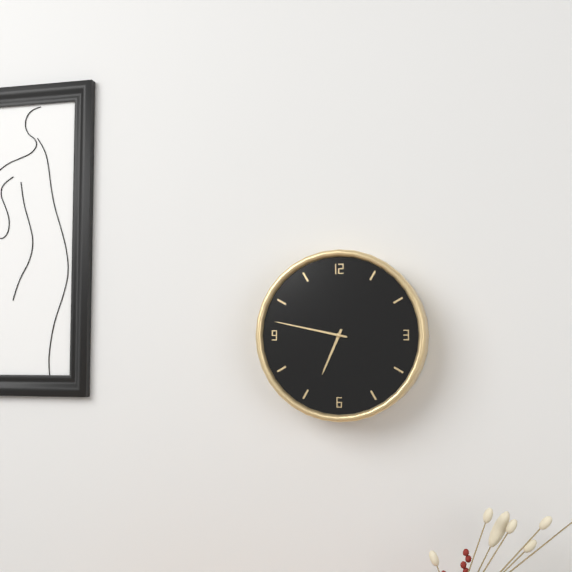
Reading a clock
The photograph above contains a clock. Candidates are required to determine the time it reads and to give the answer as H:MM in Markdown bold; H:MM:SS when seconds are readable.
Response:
**6:47**
